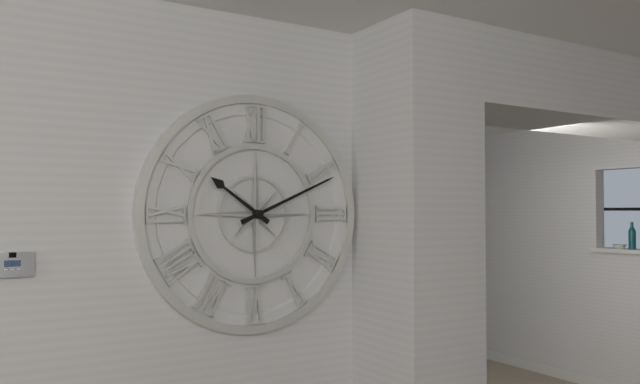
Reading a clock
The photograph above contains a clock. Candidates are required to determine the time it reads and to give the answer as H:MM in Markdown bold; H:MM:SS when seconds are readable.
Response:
**10:11**
